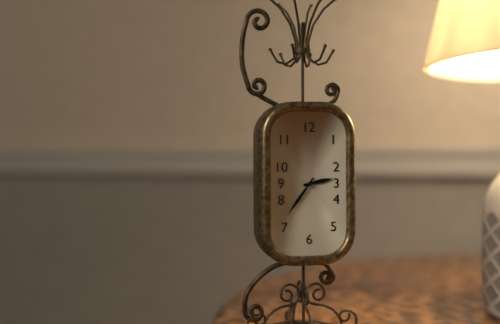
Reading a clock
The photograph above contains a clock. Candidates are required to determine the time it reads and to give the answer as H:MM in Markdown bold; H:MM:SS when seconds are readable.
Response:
**2:36**
